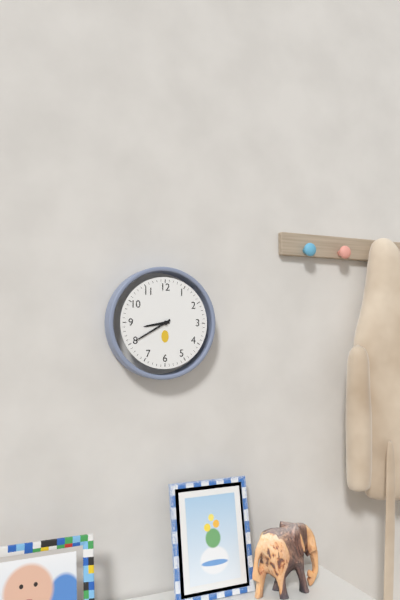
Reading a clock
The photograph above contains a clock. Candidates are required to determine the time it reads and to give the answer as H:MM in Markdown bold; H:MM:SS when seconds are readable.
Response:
**8:40**
